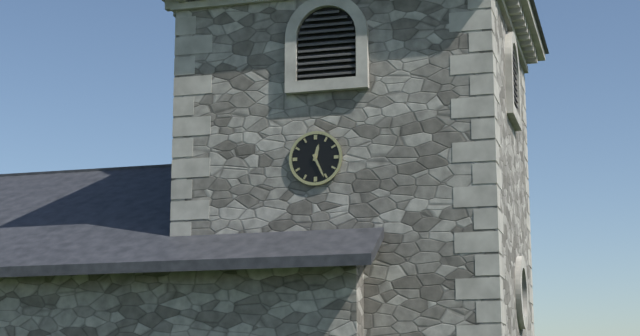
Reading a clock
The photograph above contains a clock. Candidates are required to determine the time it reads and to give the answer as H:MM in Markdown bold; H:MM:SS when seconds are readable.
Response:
**12:26**
